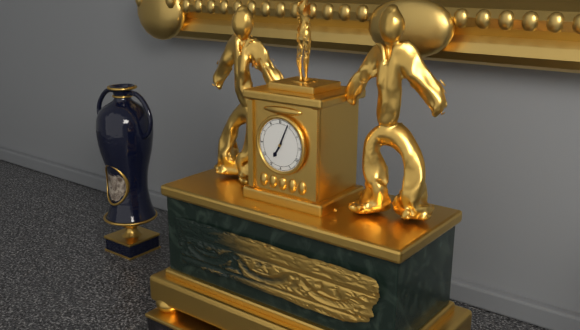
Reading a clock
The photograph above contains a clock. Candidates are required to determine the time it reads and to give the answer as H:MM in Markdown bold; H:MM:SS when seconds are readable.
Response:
**7:04**
